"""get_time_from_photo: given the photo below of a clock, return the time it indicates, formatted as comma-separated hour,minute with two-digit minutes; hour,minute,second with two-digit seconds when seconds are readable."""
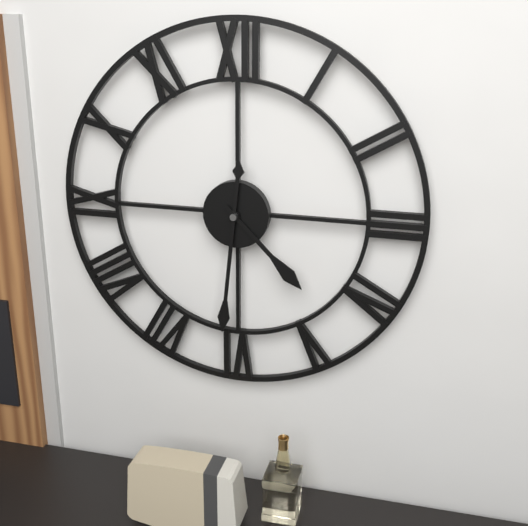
4,31
